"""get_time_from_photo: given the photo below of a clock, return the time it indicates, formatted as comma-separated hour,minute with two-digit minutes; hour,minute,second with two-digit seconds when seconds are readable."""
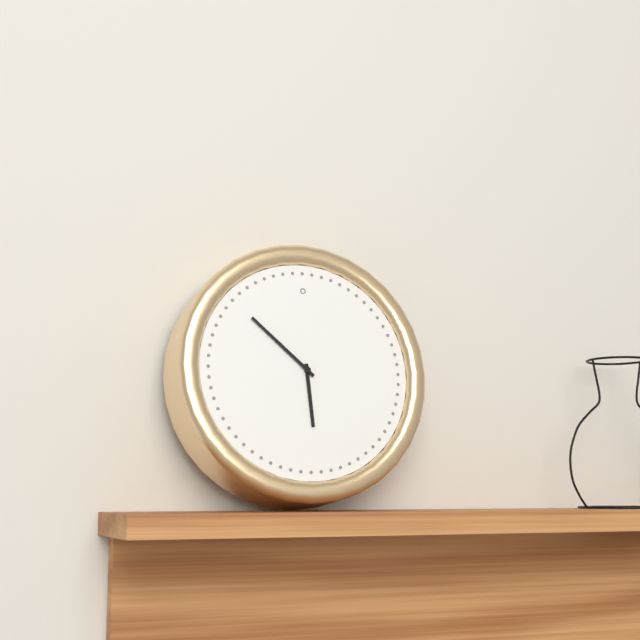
5,52
